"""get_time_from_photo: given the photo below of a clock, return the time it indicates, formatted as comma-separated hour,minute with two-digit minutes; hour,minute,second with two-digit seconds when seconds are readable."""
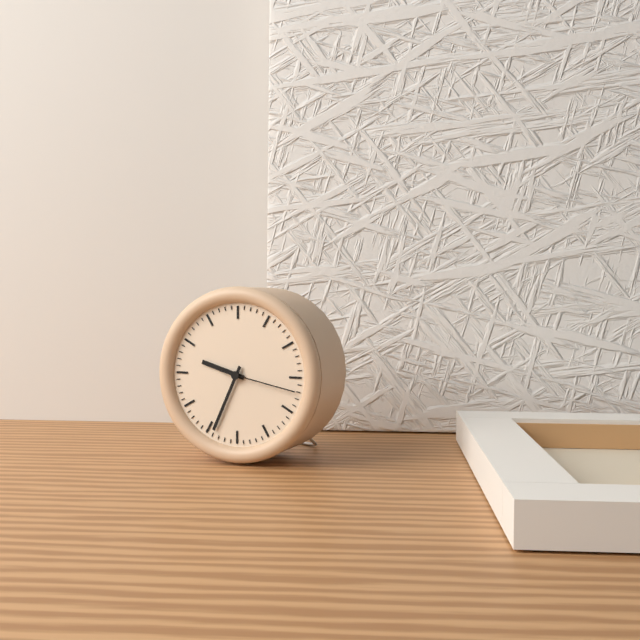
9,34,17
